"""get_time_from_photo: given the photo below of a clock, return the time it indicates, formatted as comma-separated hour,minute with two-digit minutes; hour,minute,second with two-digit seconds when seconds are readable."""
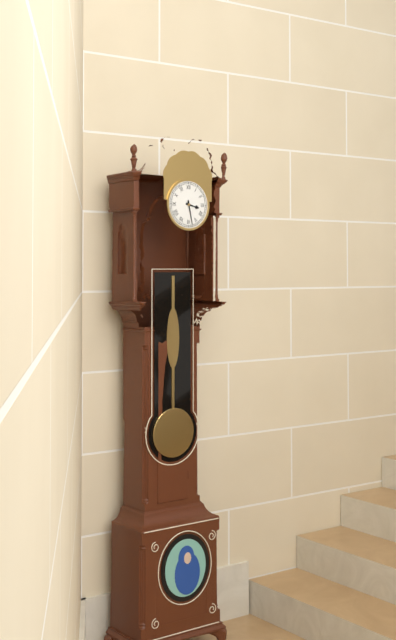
3,28
